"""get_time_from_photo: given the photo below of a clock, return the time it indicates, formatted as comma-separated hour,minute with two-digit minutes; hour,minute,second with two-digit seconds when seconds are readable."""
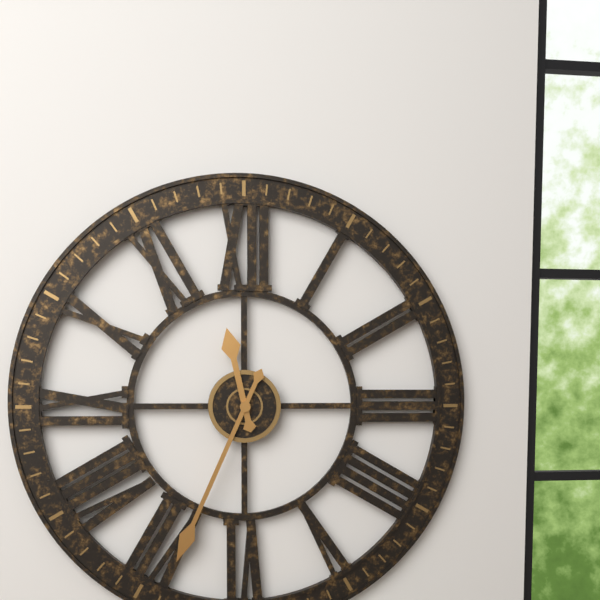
11,34
